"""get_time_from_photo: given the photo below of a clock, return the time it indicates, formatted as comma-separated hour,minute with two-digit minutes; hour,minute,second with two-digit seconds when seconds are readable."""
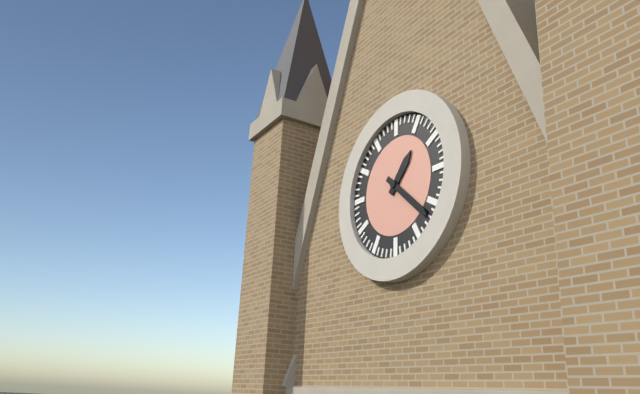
1,22
